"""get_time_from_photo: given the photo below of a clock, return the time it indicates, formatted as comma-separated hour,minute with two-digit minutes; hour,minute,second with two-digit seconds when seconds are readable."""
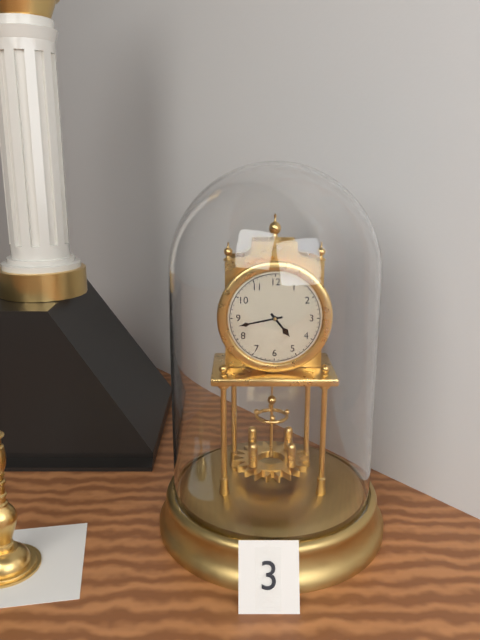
4,43
